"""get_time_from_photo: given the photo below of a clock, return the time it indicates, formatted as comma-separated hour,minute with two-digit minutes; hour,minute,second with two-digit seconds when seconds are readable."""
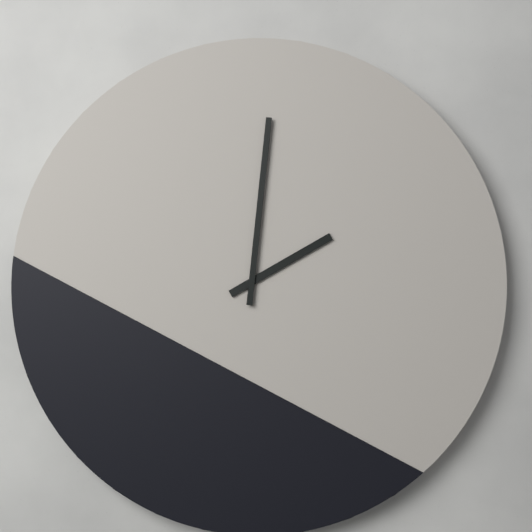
2,01
